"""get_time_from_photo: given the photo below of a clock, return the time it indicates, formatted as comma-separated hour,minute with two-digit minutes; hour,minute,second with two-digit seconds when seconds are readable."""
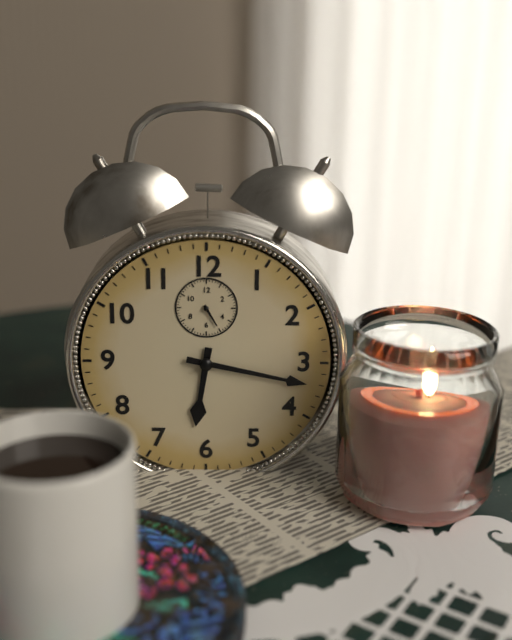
6,17
